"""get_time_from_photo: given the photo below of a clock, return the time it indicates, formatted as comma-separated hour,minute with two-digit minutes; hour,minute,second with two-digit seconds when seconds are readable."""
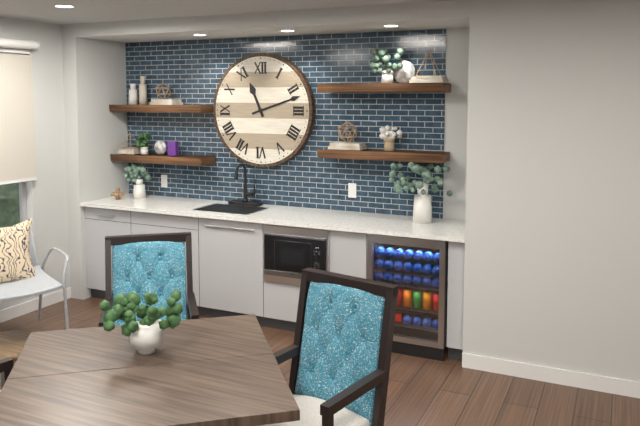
11,12
